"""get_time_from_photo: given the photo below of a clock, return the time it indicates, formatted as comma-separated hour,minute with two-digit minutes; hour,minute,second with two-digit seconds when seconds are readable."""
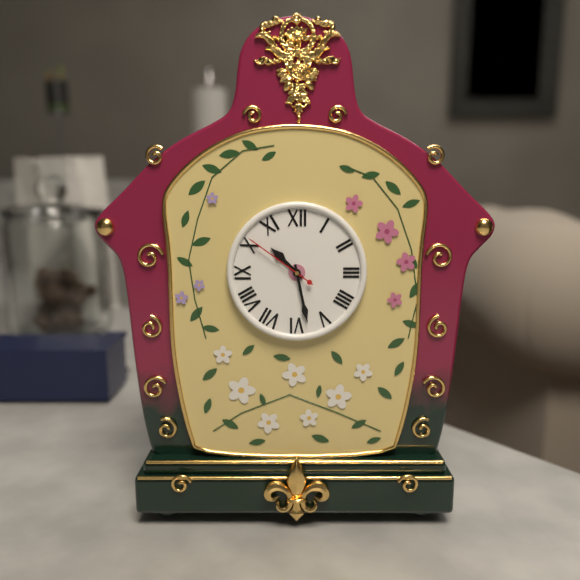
10,28,51
